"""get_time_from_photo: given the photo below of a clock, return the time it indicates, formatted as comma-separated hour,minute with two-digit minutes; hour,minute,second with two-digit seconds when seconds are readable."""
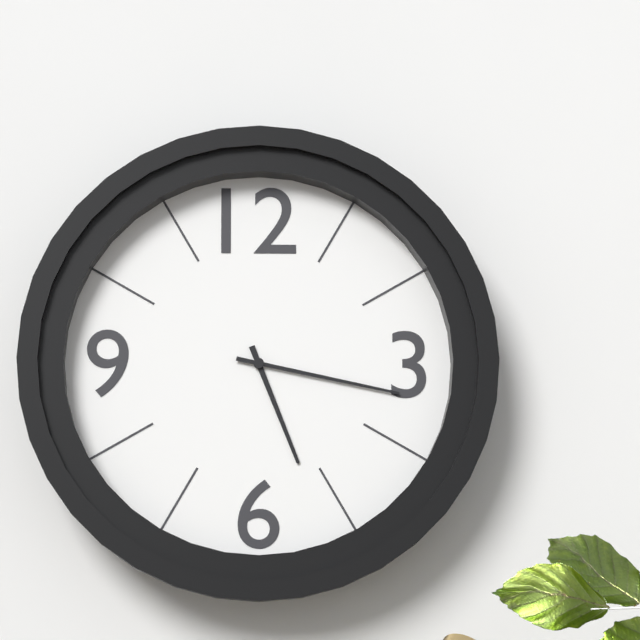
5,17
